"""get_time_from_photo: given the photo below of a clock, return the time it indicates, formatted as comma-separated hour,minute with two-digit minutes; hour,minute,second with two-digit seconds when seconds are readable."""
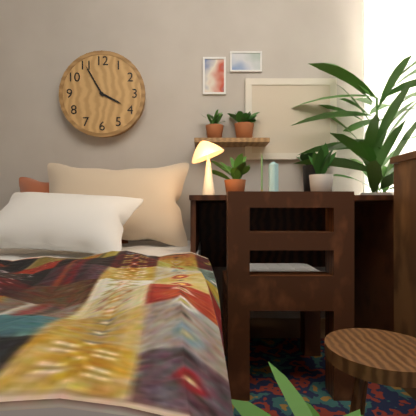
3,55
